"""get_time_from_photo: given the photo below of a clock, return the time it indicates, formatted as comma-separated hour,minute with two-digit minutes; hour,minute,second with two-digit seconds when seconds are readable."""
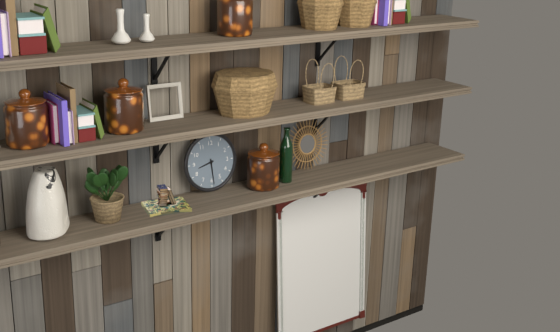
8,29
